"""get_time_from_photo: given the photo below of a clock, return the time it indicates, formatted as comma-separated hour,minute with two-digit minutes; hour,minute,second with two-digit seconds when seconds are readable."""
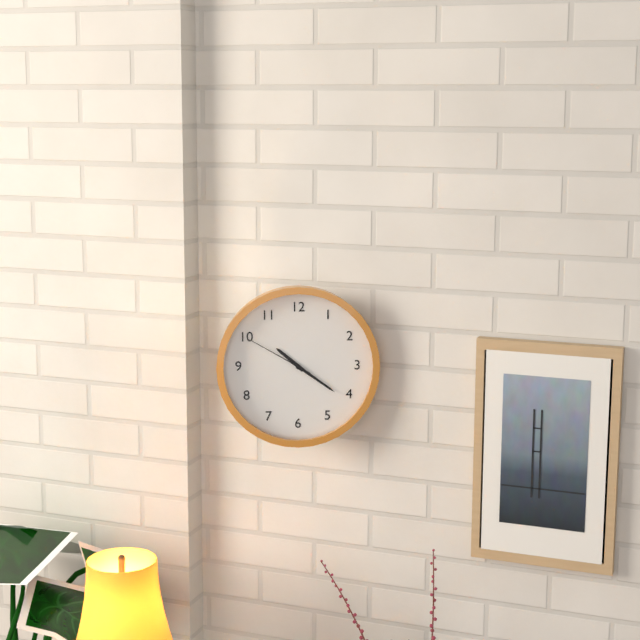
10,21,50
